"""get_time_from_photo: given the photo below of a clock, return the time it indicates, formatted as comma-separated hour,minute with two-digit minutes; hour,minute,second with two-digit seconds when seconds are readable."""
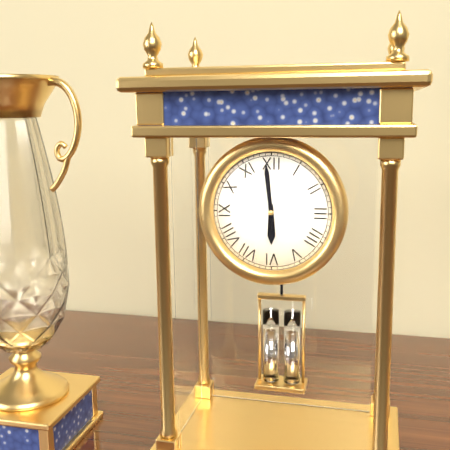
5,59
